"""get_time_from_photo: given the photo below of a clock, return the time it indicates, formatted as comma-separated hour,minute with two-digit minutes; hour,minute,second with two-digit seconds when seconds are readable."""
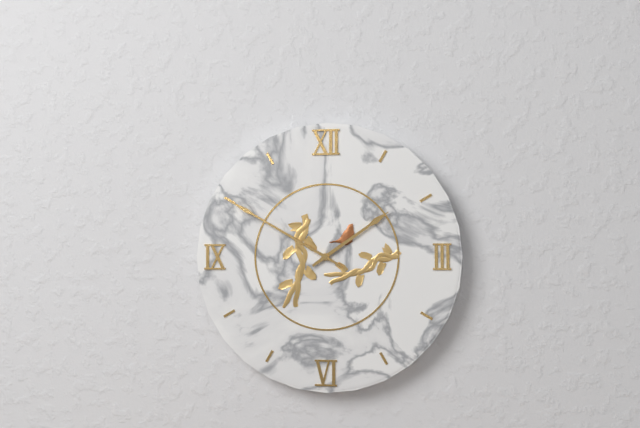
1,50
